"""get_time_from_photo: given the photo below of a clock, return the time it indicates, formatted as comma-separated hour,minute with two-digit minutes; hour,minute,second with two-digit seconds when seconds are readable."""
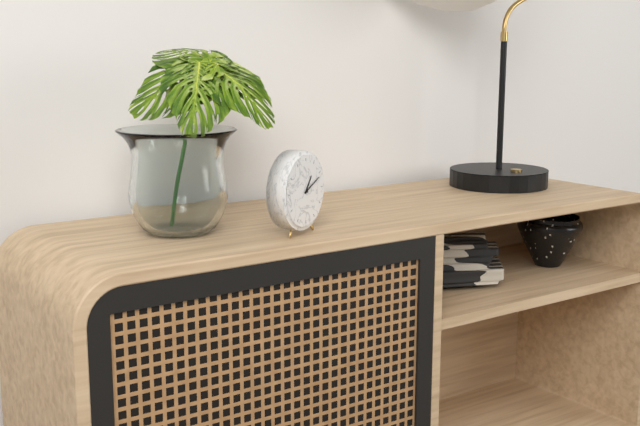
1,11
